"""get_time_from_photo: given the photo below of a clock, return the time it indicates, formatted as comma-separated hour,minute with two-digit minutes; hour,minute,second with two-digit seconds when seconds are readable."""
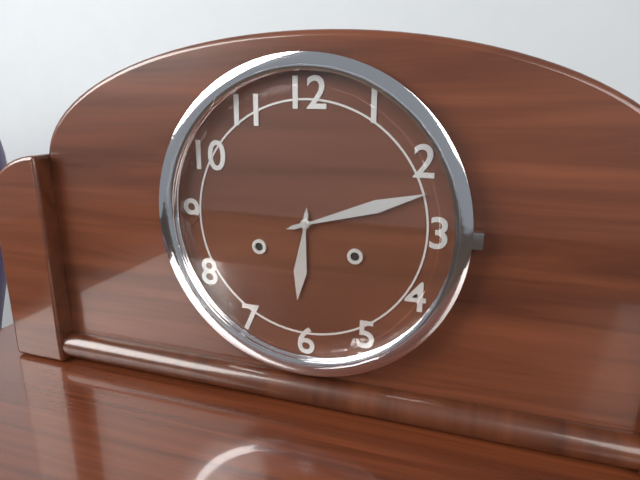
6,12
